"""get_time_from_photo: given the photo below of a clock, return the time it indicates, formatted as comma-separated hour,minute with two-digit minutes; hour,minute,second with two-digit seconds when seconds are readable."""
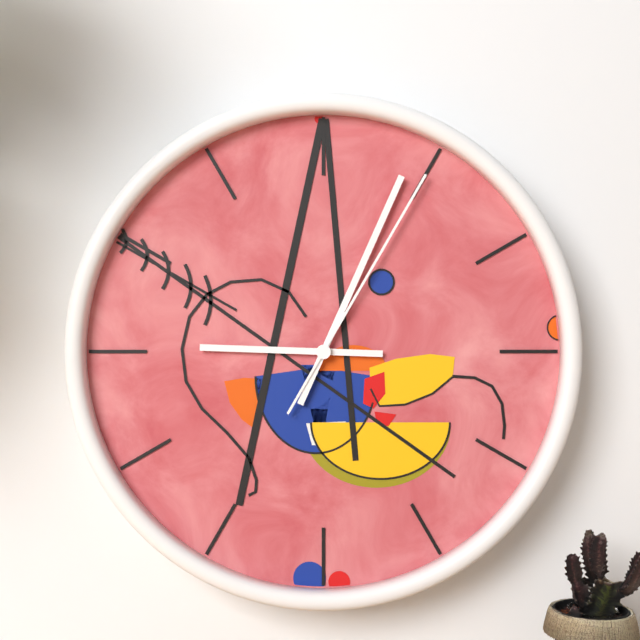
9,04,05
